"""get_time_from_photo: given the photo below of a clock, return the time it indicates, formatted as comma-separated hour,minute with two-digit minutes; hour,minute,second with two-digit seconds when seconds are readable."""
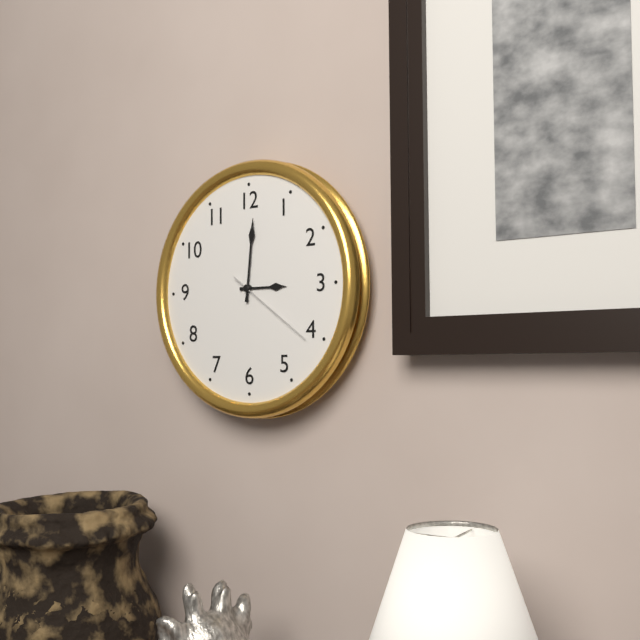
3,01,21
